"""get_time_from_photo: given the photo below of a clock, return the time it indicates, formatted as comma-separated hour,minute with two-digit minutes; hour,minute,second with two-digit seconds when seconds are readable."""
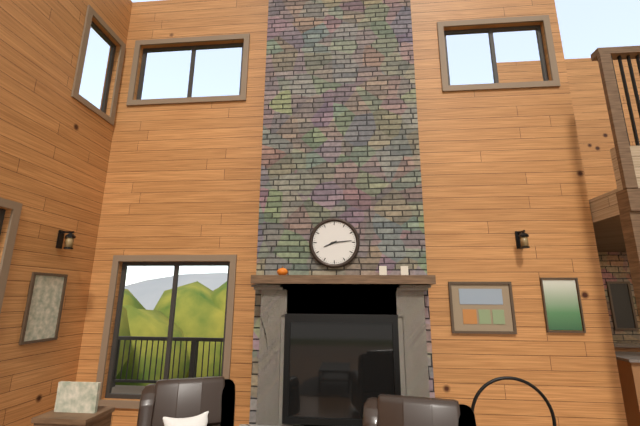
8,14
